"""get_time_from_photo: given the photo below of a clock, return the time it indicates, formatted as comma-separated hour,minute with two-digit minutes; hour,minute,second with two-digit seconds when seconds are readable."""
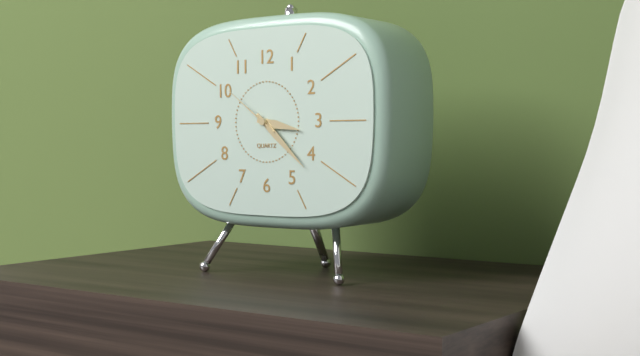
3,22,51
